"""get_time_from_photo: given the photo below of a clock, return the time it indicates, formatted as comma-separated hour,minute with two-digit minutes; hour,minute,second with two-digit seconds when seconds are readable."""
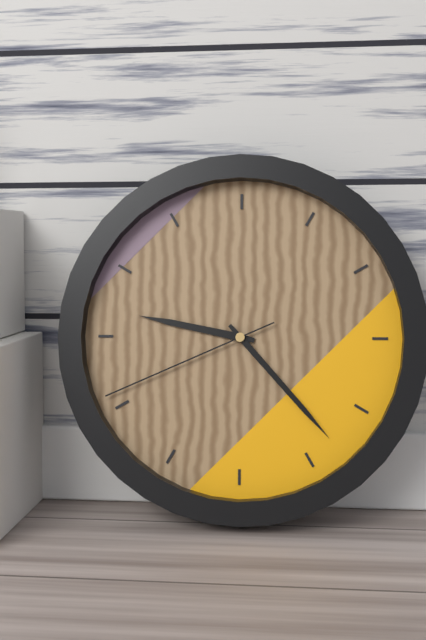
9,23,41
